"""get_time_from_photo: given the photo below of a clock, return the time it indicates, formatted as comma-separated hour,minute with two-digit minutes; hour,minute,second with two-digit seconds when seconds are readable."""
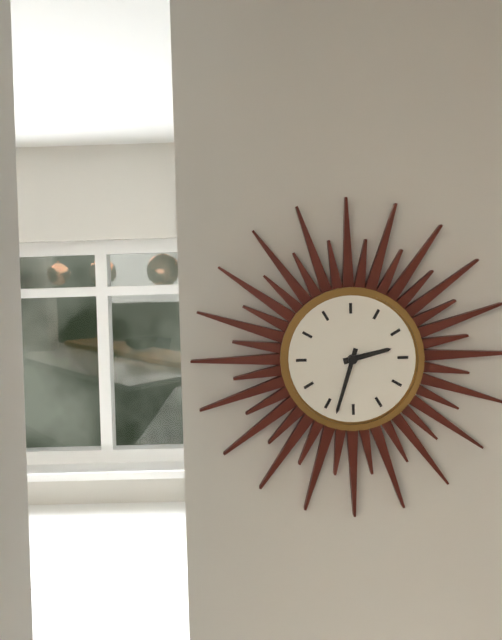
2,33
